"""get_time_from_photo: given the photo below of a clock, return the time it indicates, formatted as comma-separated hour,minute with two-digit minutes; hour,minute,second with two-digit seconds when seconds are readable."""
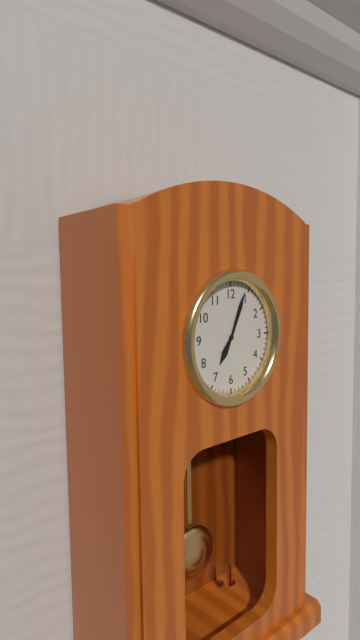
7,04
